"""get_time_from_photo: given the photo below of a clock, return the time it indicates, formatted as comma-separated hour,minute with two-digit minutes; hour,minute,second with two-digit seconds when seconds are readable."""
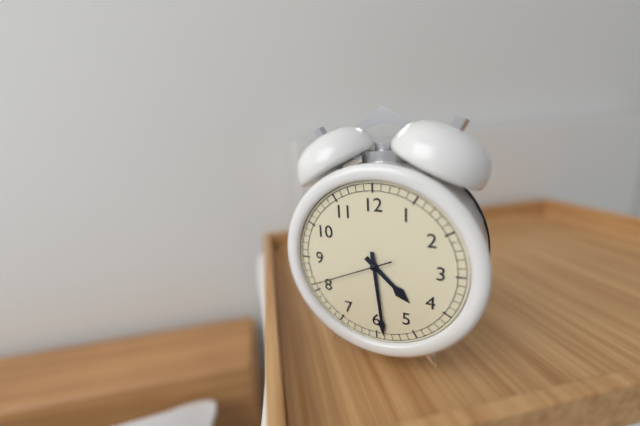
4,29,41
